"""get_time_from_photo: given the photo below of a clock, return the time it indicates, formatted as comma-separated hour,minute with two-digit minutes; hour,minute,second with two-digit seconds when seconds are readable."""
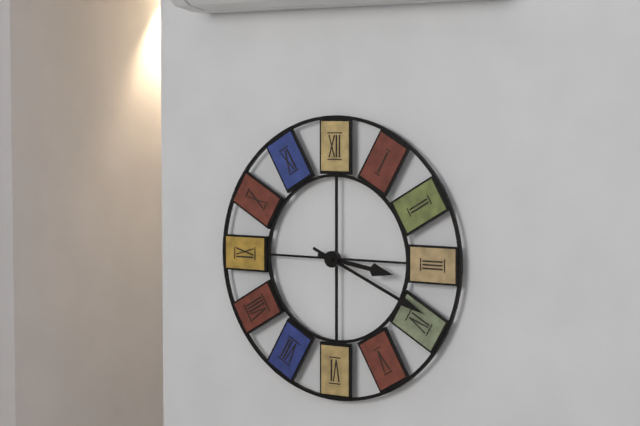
3,19
